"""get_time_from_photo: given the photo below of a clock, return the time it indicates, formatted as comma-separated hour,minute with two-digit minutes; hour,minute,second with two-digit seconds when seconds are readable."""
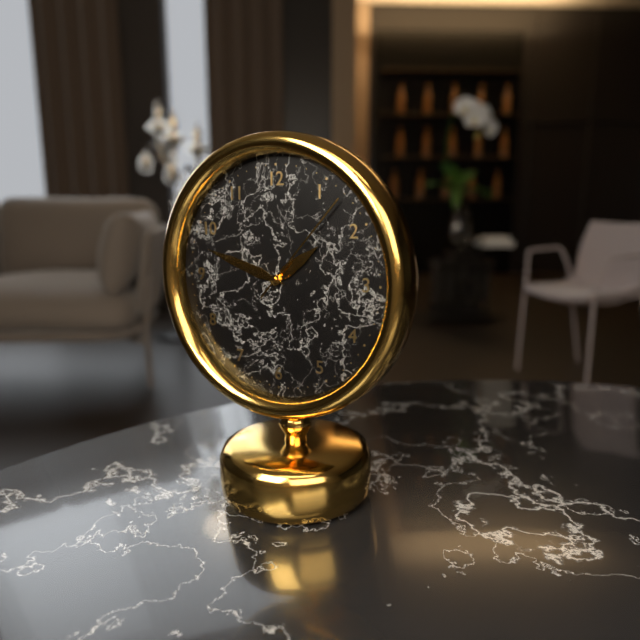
1,48,07
